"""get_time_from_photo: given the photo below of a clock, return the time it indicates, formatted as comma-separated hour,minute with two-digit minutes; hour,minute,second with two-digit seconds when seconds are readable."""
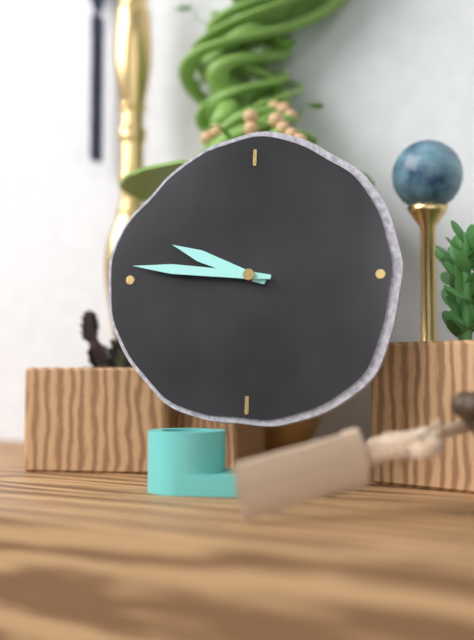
9,46
